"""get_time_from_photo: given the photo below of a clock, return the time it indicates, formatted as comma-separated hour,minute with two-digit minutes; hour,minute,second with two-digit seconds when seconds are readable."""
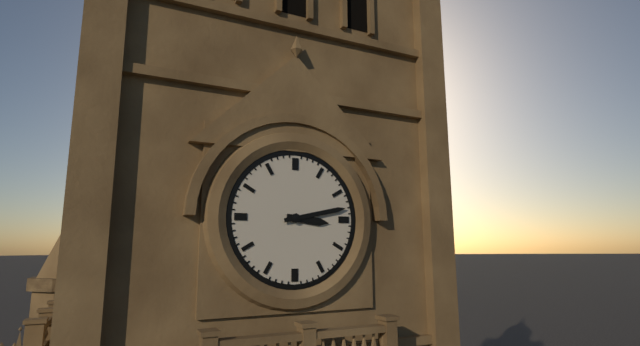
3,13
